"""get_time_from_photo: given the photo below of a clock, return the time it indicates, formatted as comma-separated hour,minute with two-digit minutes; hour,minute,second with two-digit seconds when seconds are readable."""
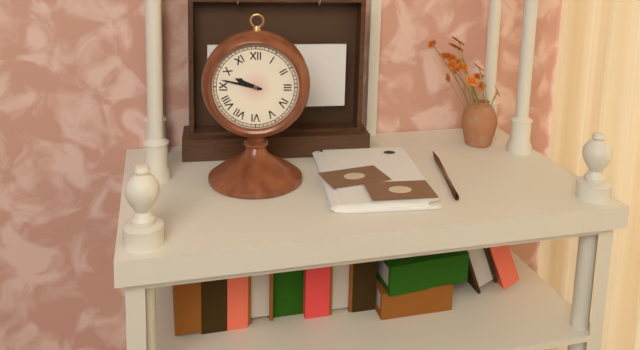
9,47
